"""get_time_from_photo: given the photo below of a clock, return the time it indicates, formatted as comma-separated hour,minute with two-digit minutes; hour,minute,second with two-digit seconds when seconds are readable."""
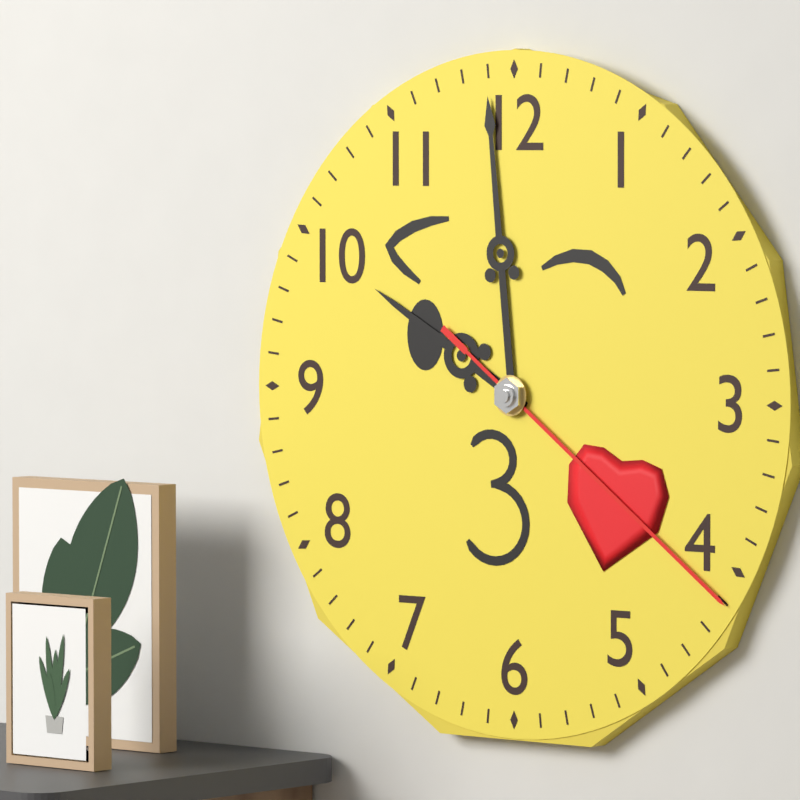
9,59,21
